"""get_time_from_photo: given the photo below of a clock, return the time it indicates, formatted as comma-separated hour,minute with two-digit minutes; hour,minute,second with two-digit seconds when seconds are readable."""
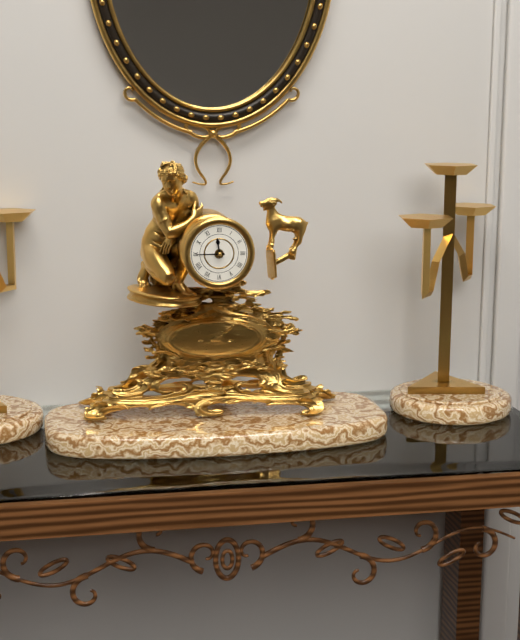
11,45
